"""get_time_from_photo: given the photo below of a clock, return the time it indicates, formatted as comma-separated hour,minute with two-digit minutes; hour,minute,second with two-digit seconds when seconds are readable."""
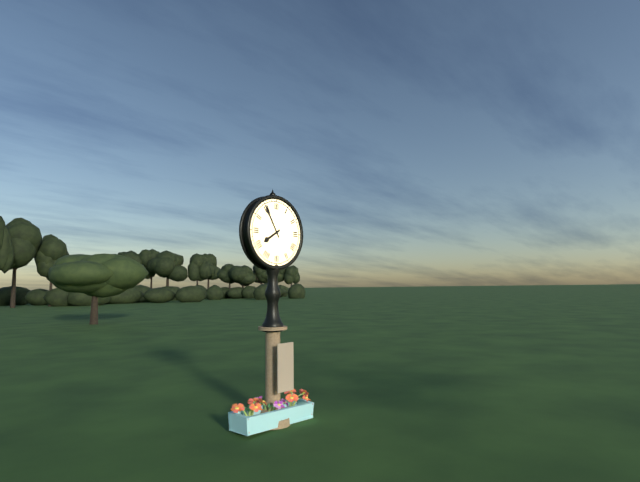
7,55
